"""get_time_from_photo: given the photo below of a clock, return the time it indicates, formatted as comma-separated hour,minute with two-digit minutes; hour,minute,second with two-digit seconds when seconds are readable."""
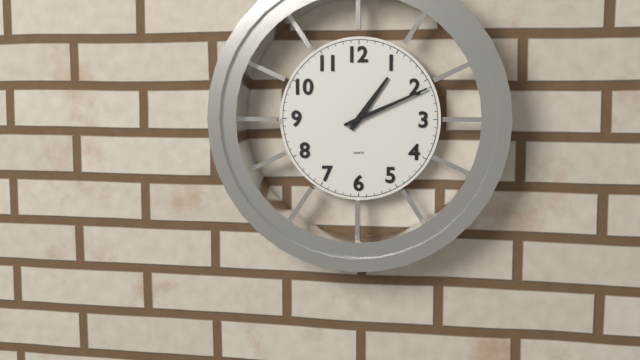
1,11
